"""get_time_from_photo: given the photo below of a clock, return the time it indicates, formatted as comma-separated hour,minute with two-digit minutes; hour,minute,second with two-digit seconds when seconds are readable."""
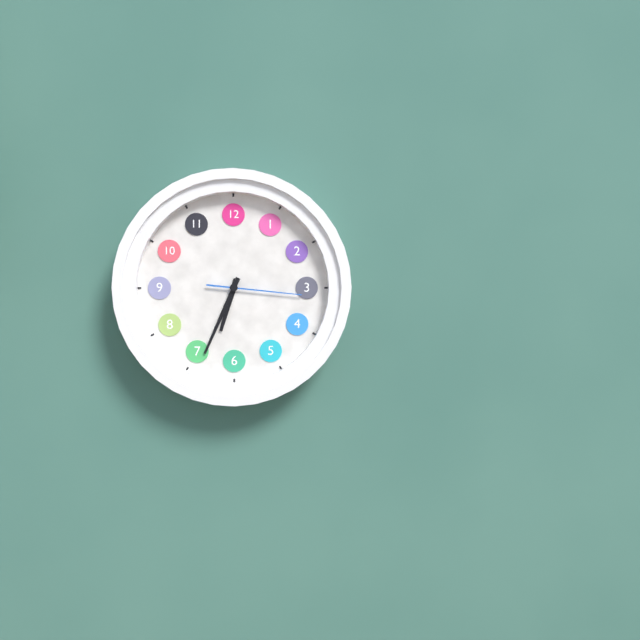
6,34,16
